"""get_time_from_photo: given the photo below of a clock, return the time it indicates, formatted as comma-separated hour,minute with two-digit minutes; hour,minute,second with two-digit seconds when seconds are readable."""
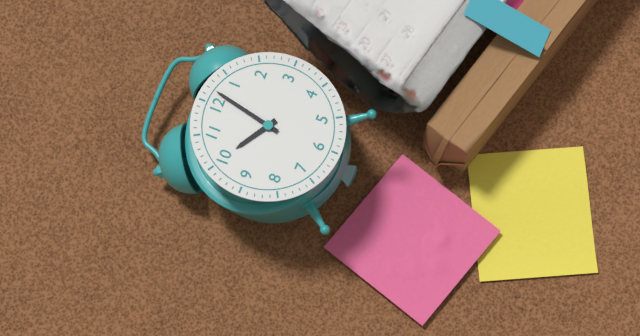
10,02
